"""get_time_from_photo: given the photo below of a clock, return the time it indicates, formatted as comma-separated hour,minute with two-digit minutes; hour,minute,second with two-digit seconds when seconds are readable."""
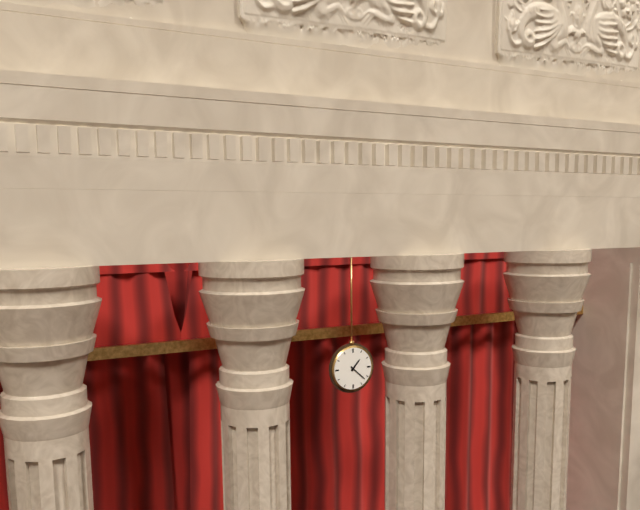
1,22
